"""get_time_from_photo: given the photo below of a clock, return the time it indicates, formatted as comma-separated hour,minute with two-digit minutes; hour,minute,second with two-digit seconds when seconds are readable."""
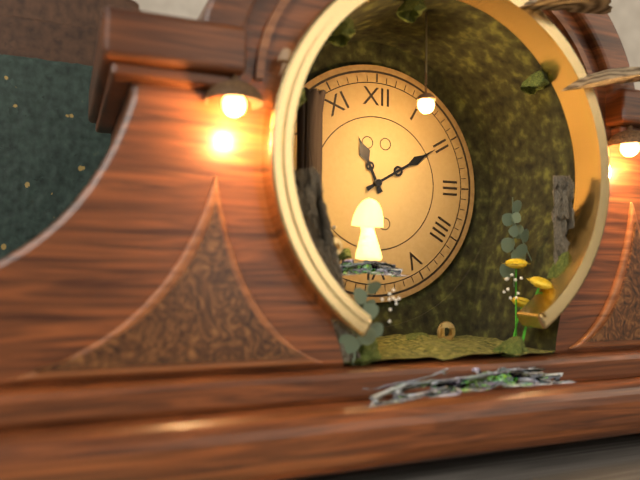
11,10
